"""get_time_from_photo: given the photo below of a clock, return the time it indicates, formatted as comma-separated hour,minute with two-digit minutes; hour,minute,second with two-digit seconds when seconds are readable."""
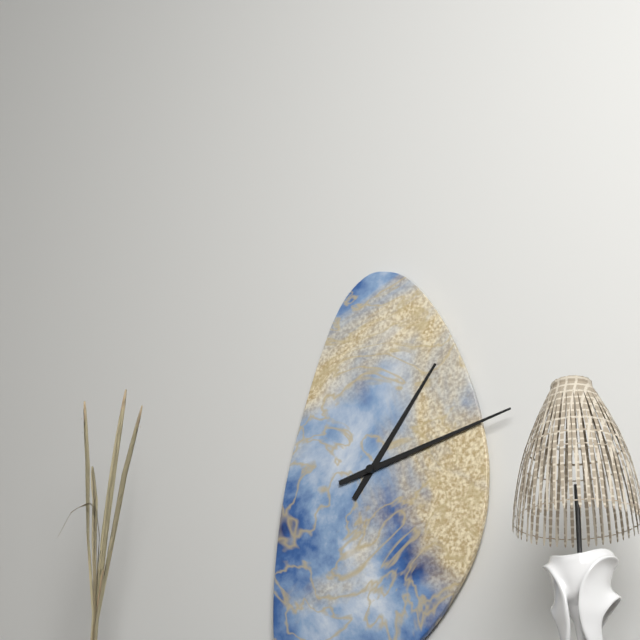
1,13
